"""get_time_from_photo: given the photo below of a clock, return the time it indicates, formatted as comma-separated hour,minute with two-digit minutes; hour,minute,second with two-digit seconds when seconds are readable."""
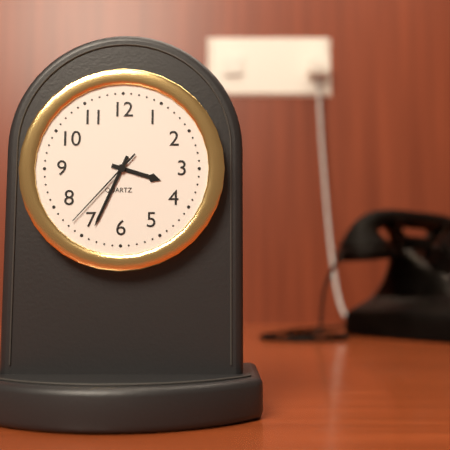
3,34,37
